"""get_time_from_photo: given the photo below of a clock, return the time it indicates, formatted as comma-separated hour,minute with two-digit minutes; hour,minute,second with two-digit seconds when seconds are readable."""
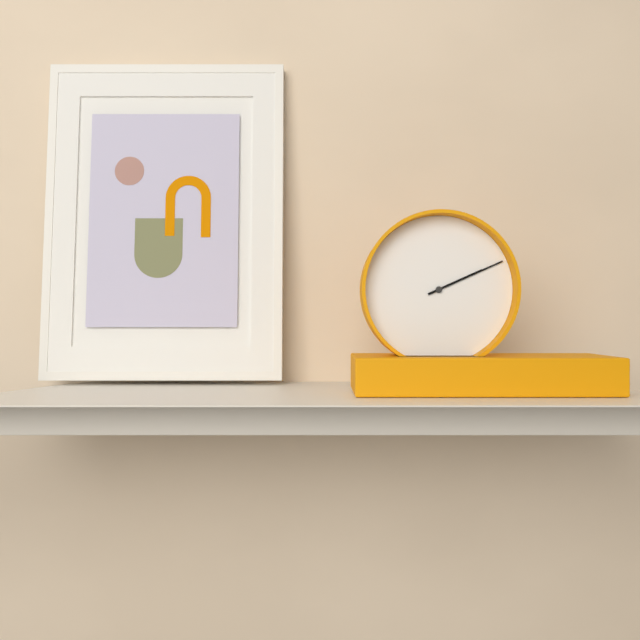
2,11
